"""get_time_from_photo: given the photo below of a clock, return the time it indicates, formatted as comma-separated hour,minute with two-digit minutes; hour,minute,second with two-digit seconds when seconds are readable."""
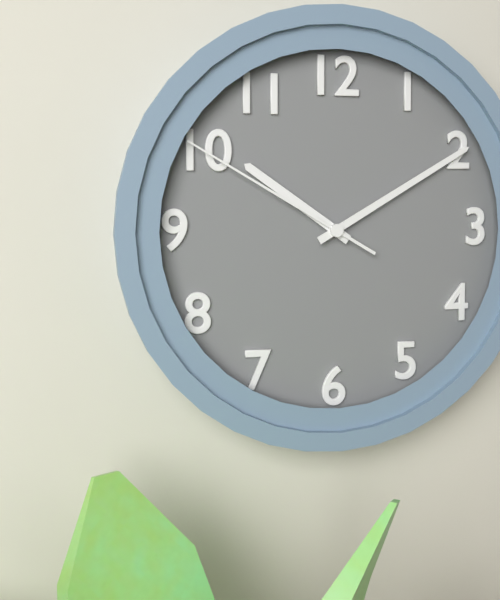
10,10,50
